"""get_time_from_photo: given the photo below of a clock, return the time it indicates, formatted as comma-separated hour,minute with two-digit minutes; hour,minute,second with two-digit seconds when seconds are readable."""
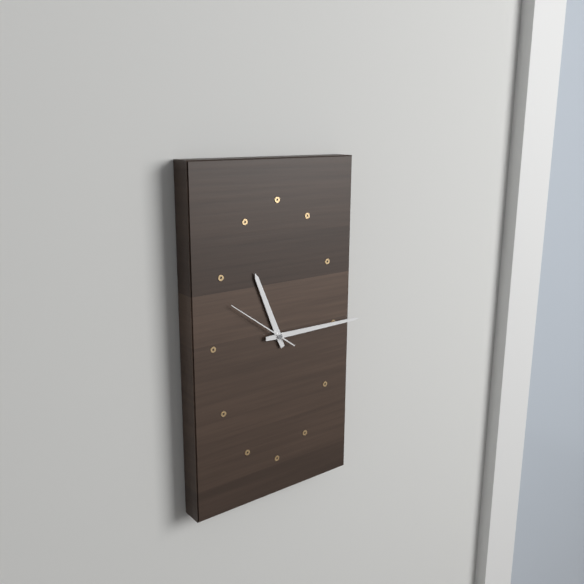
11,15,51
